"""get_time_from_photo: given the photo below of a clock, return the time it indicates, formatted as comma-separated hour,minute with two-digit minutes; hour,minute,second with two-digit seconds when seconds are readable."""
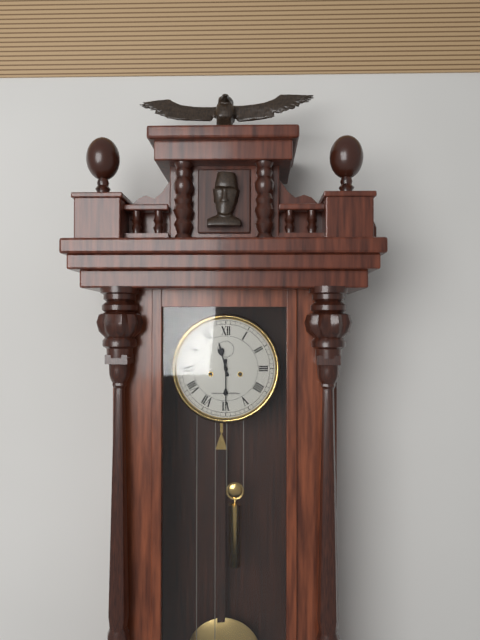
11,30
